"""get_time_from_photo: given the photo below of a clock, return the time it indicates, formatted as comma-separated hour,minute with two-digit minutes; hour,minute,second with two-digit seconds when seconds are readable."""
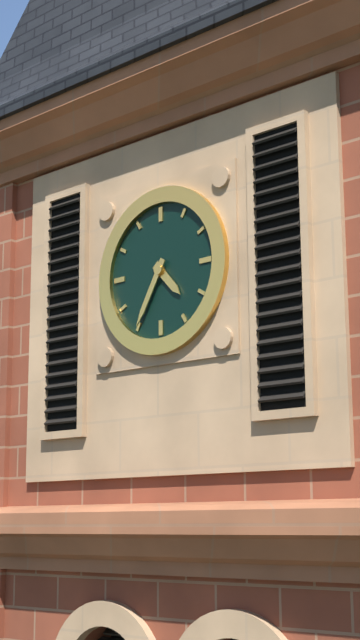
4,35
